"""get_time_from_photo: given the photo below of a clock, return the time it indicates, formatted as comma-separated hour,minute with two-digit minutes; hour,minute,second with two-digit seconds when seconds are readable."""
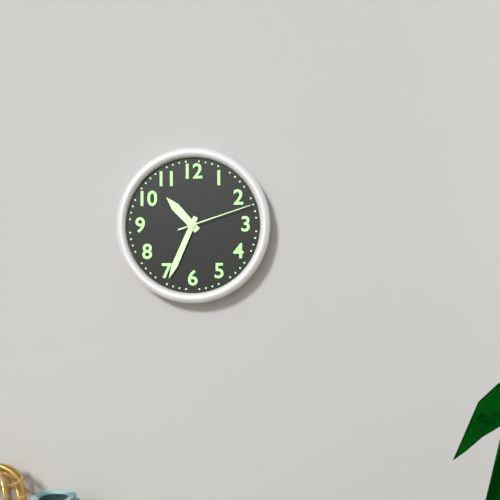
10,34,12
